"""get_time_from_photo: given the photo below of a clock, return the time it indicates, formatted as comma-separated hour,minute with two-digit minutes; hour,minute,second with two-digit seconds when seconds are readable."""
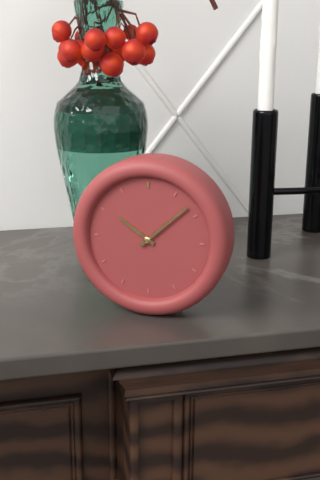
10,08
